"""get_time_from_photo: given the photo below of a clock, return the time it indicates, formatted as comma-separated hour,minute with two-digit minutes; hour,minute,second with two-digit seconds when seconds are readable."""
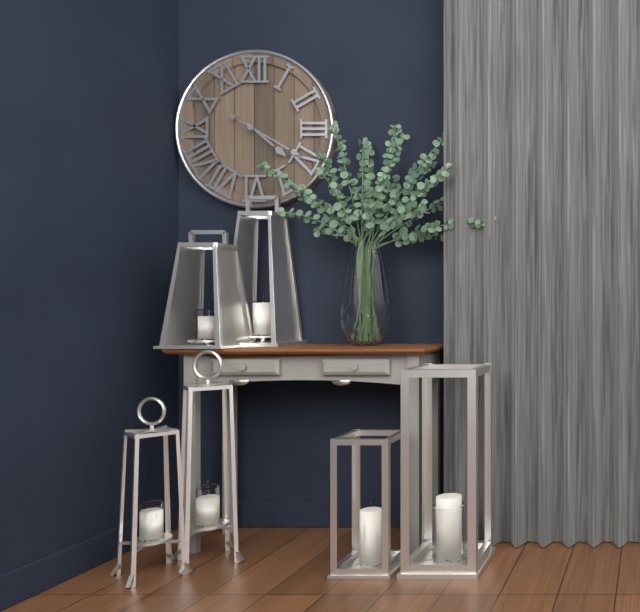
4,20
